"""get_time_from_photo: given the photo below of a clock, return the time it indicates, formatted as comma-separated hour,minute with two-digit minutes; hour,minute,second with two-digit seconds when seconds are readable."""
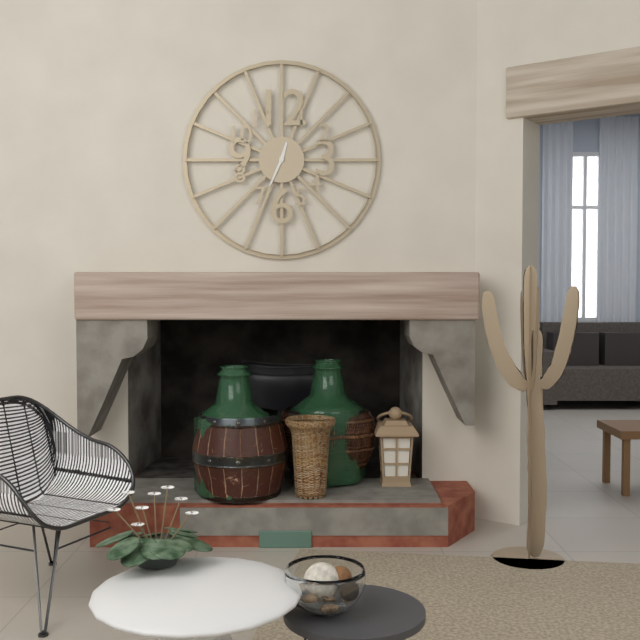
12,34
